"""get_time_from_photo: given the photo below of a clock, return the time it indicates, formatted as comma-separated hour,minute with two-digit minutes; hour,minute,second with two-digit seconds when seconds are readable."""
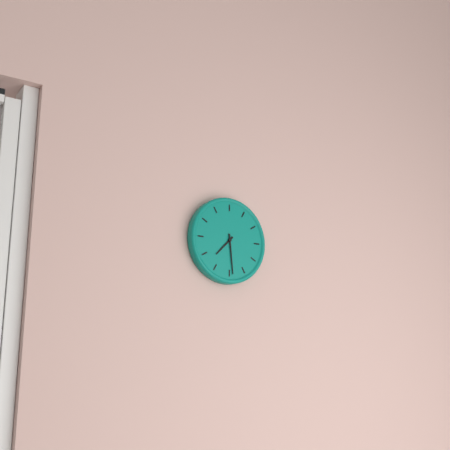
7,29
